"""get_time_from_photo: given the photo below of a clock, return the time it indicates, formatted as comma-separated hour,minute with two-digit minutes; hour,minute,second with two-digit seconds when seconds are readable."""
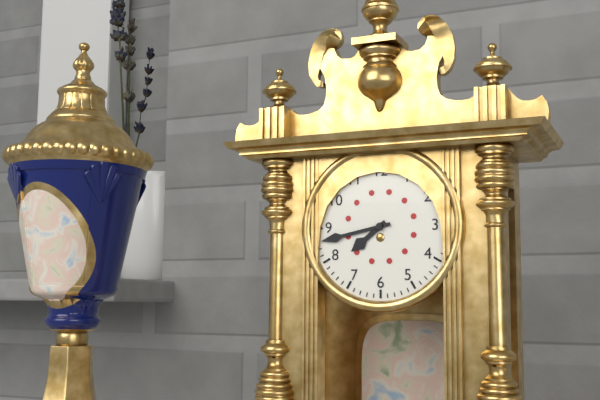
7,43
